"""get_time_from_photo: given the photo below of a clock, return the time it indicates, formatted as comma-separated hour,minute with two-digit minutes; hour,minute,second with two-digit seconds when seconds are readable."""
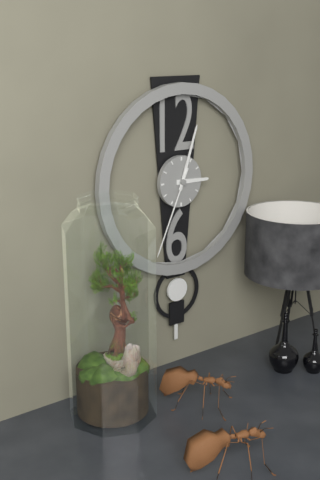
3,03,34
